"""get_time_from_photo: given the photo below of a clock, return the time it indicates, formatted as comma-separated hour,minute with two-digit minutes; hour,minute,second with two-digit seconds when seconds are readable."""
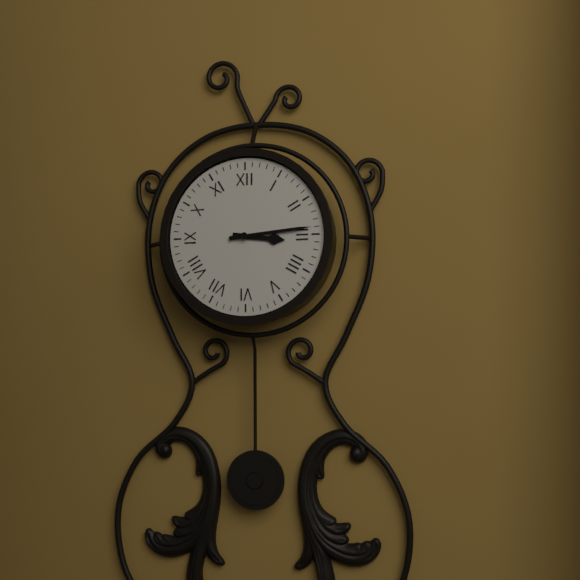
3,14
